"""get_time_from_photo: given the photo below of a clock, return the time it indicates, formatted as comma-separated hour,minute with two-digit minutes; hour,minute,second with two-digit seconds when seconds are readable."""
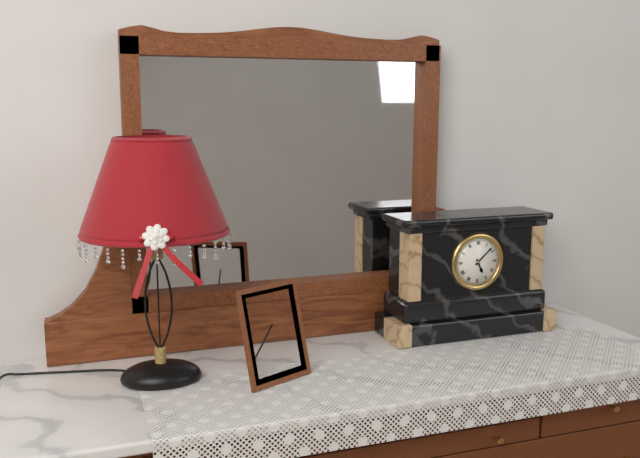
5,08
